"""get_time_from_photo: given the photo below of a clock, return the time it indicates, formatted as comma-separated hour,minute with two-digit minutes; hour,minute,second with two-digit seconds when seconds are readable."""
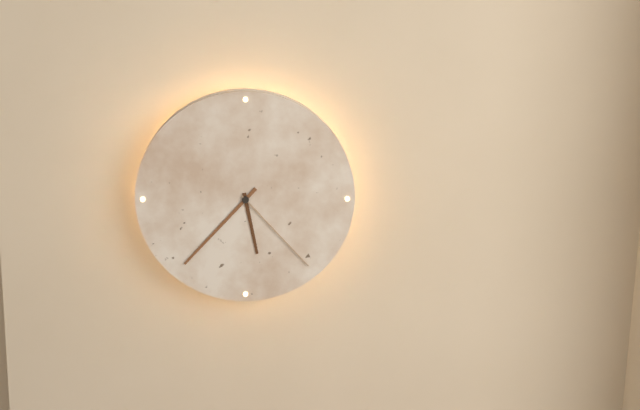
5,37,23
